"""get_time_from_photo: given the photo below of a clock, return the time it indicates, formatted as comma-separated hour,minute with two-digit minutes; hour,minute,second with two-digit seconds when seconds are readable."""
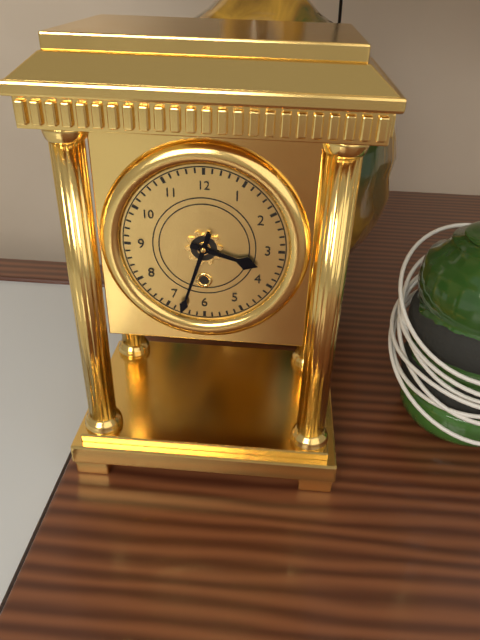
3,33
